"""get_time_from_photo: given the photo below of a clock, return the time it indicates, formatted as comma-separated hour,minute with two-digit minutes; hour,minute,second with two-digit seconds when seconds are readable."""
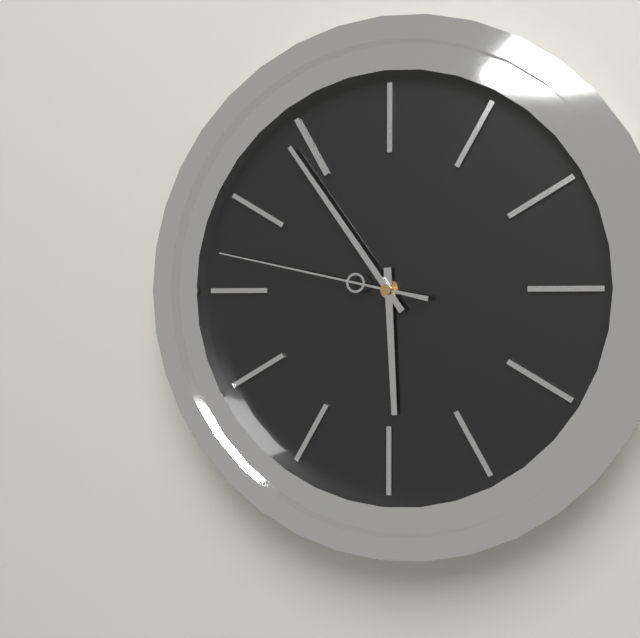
5,54,47
